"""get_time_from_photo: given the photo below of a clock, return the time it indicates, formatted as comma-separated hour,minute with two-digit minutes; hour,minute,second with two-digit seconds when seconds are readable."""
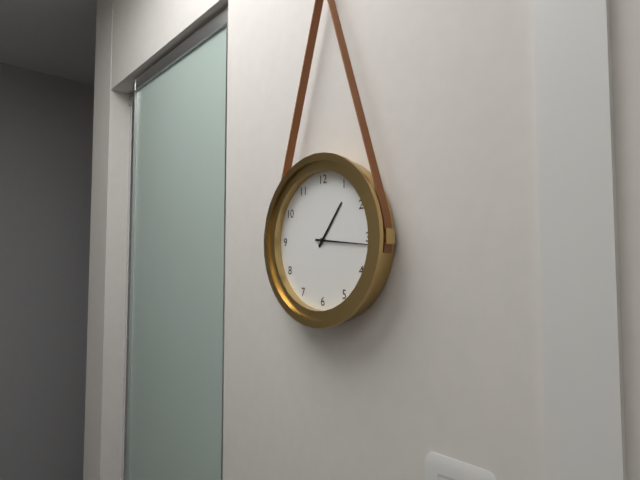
1,16
